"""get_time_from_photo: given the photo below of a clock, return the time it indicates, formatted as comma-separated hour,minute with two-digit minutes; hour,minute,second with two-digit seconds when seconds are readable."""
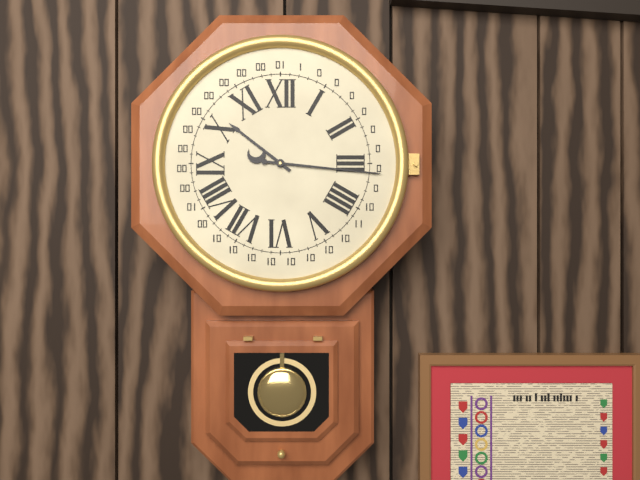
10,16
